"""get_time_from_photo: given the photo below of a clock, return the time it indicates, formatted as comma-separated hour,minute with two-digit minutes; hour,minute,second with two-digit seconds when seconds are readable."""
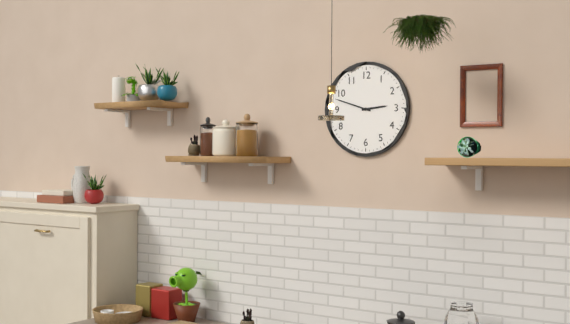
2,48
